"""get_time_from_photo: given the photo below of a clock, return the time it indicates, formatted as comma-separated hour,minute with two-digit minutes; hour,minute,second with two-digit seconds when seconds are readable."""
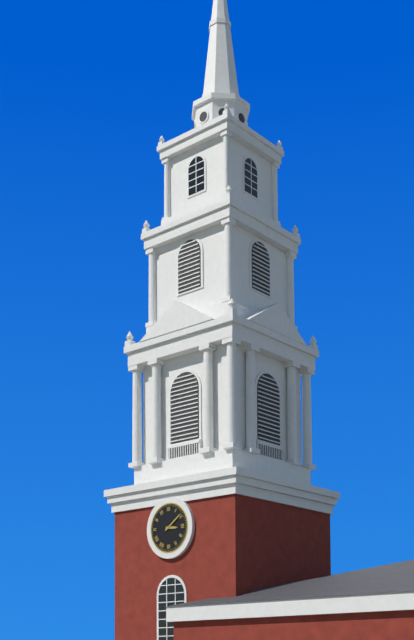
3,09
